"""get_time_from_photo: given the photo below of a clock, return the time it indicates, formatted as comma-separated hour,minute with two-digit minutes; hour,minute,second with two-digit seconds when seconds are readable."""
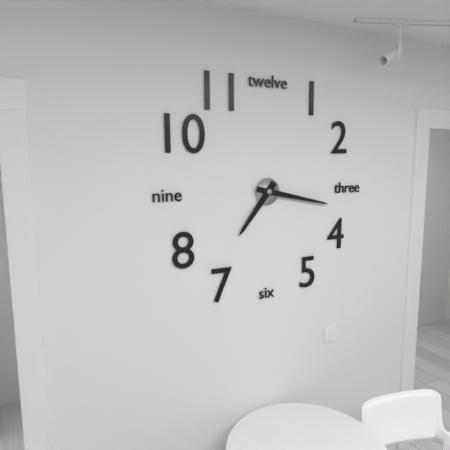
7,17
